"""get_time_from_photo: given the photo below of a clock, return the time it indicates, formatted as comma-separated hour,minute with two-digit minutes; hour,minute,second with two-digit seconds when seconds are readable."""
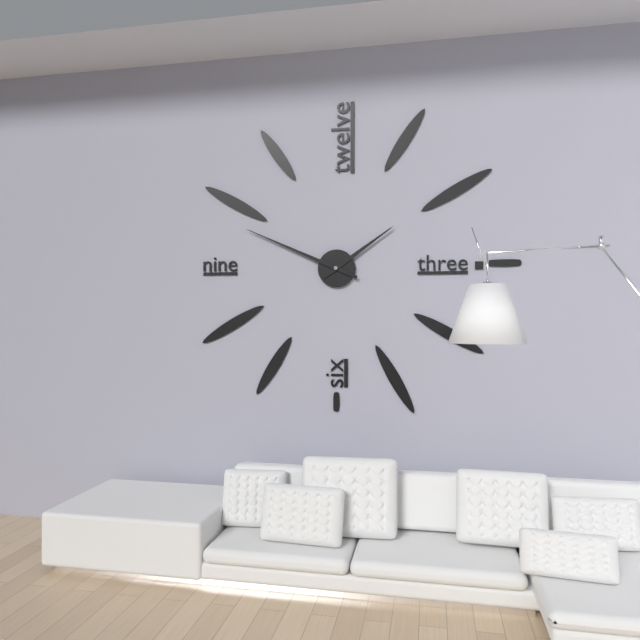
1,49
